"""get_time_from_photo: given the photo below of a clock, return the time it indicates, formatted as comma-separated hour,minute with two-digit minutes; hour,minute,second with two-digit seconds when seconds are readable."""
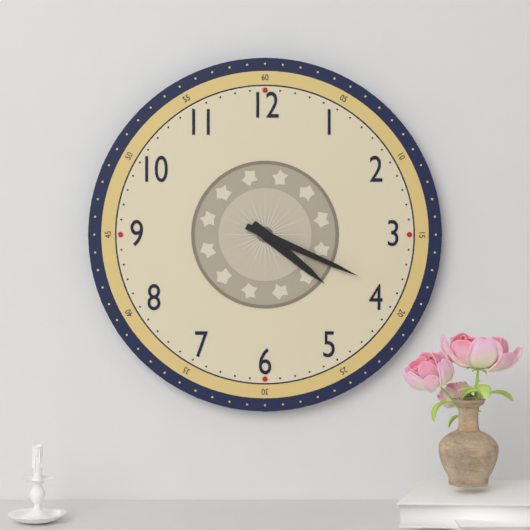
4,19
